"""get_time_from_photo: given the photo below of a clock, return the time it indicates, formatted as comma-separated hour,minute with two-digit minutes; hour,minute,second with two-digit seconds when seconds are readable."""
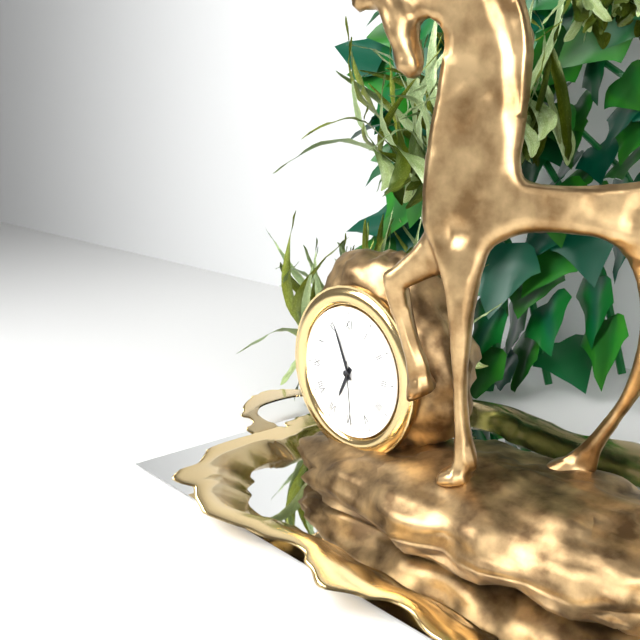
6,56,29
